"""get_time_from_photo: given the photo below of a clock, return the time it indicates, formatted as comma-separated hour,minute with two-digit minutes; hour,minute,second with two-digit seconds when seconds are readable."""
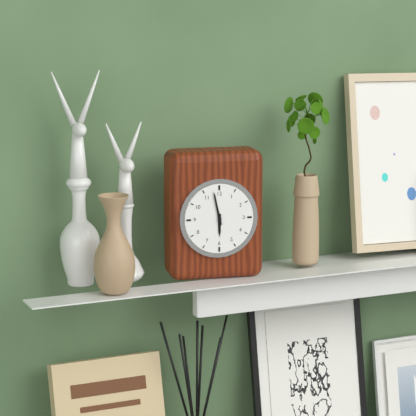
5,58
